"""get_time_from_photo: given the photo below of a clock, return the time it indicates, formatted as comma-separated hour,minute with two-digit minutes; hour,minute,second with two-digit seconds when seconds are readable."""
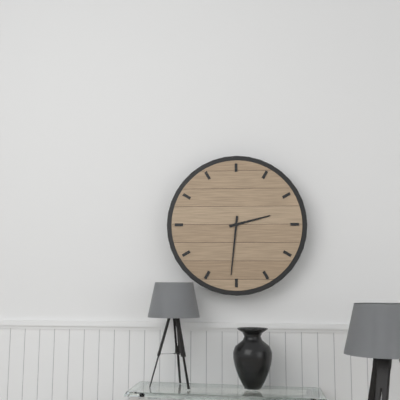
2,31
